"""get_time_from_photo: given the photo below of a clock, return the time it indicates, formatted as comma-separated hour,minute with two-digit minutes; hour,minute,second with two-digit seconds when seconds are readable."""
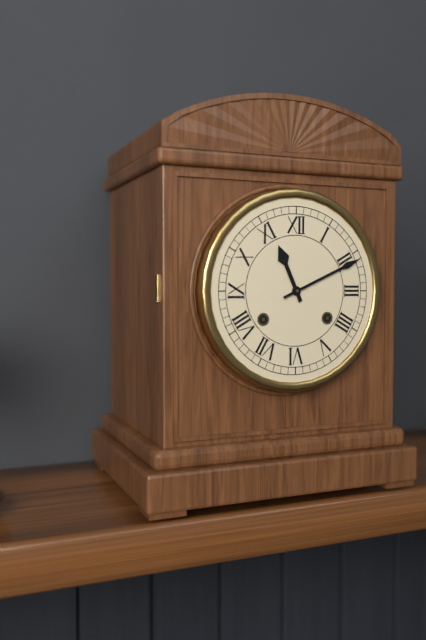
11,11
